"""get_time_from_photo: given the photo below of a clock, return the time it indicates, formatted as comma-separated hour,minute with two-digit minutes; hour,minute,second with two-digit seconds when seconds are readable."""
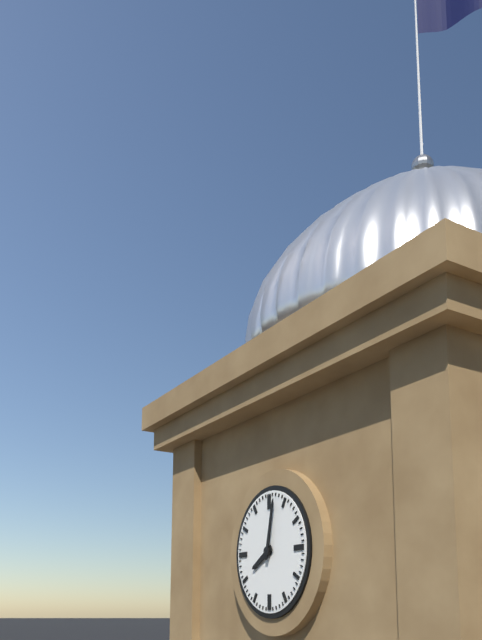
8,02
